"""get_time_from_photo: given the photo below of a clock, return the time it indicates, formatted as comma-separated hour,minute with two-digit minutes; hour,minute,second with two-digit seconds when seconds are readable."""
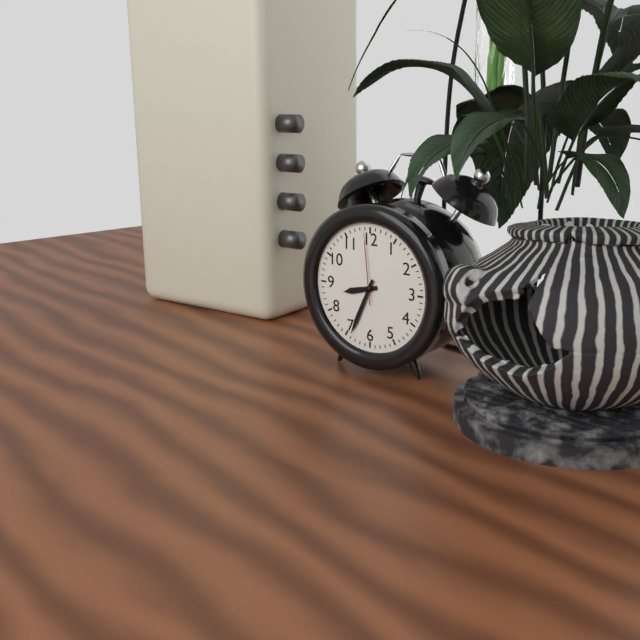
8,34,59
